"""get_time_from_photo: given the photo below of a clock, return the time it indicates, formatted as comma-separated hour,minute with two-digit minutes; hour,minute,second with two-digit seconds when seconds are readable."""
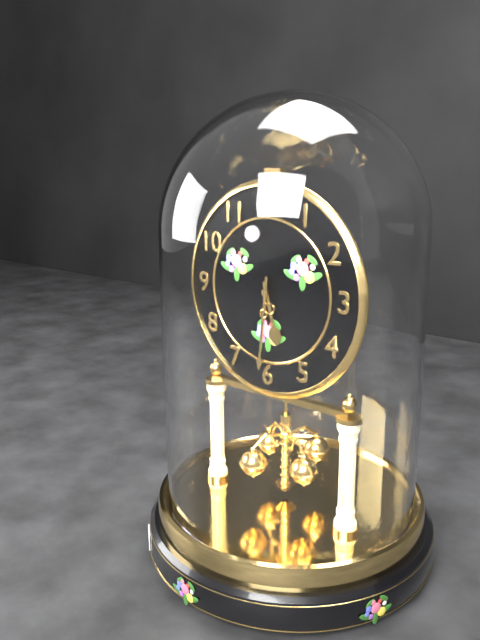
5,31
